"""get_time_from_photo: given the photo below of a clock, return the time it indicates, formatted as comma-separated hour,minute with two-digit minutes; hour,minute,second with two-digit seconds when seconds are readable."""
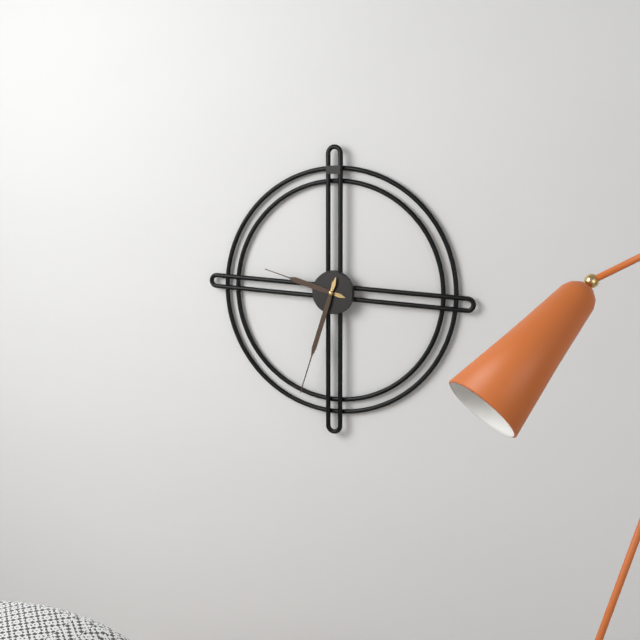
9,33
